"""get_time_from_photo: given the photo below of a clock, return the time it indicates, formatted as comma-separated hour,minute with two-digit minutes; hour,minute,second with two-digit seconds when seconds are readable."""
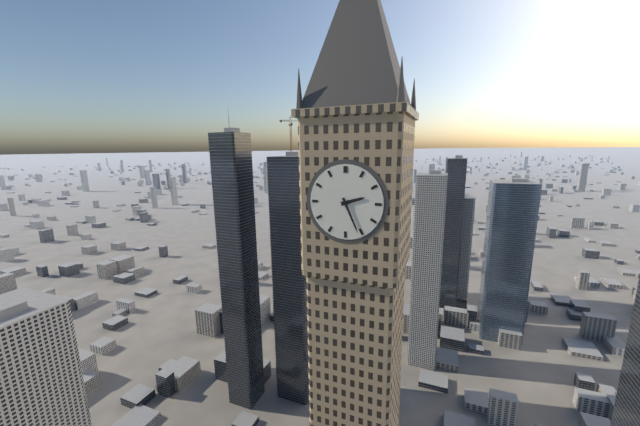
2,26
